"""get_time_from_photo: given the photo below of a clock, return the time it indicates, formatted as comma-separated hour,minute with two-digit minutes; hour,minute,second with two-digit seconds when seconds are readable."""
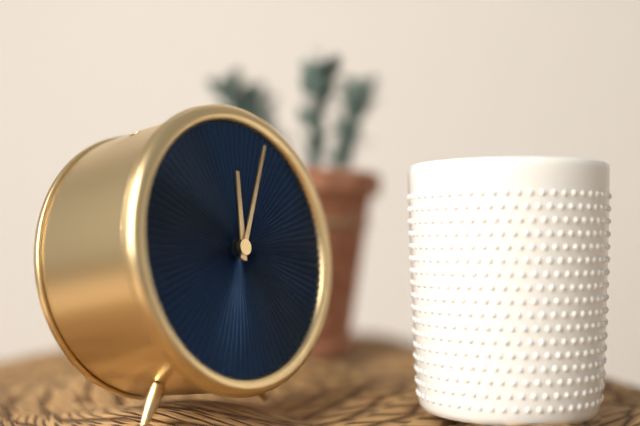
12,04
